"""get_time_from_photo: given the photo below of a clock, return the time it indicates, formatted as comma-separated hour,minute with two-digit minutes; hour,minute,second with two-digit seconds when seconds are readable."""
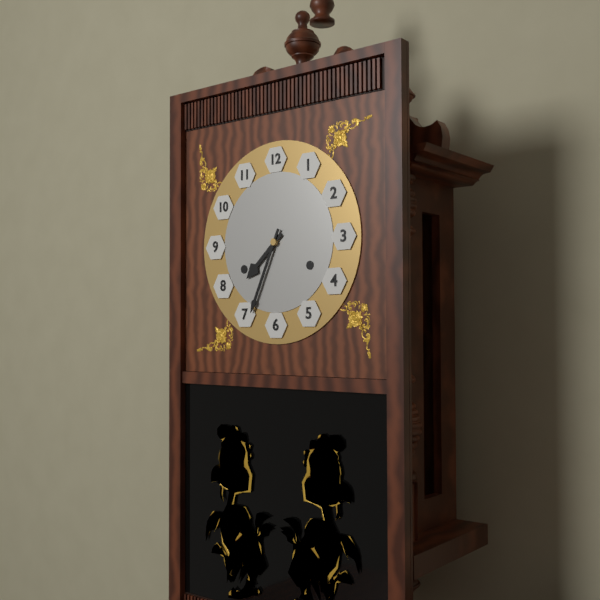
7,34
